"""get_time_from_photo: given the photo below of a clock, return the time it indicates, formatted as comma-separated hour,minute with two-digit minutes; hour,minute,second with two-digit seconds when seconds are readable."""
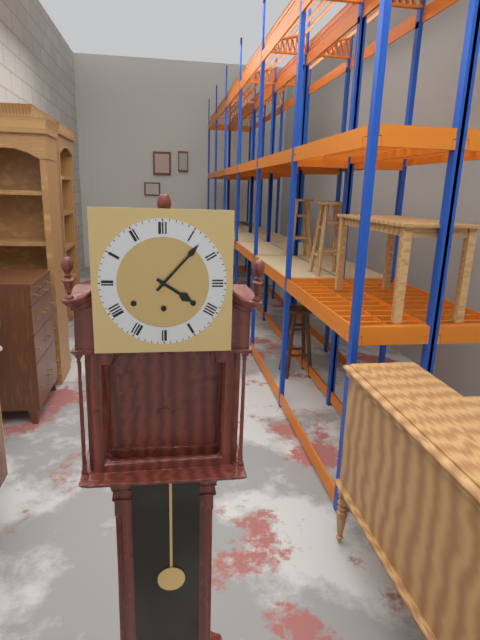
4,07
